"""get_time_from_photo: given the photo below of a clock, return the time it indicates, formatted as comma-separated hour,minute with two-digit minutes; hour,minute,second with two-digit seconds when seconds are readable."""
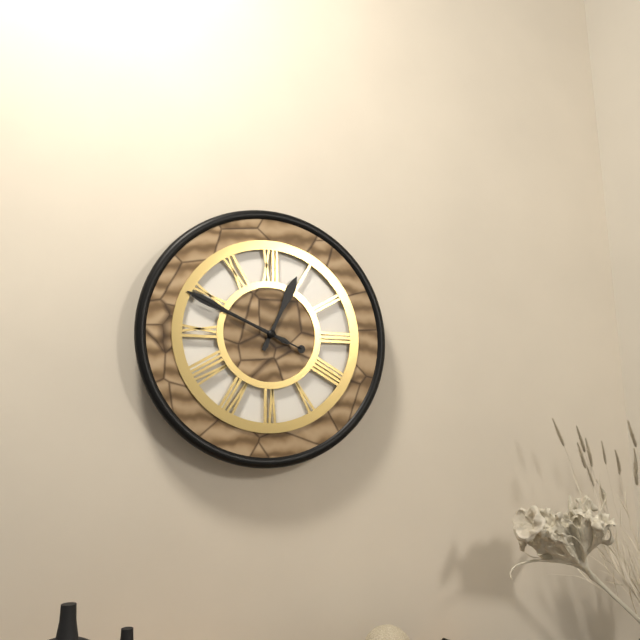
12,49,49
